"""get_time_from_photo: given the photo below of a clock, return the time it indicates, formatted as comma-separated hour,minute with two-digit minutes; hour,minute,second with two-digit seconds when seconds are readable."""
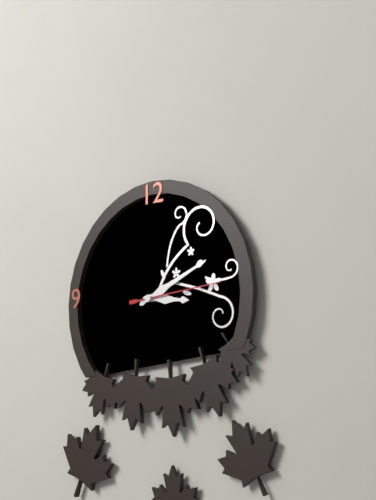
3,11,14
